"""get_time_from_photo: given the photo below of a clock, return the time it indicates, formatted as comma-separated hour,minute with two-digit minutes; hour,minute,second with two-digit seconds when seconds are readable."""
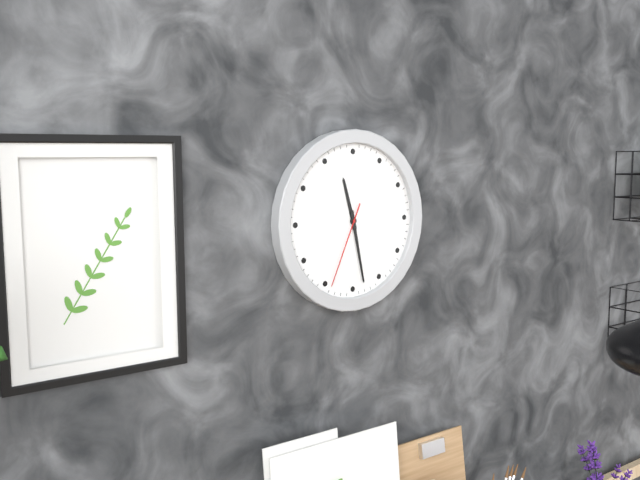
11,28,34
